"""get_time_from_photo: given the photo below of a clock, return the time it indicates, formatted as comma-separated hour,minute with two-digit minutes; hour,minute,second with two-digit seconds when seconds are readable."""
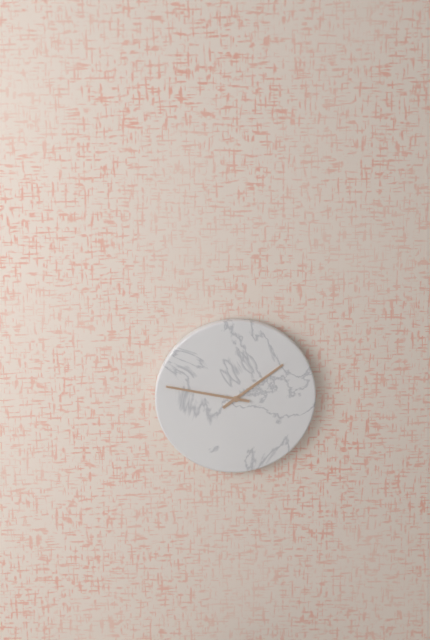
1,47
